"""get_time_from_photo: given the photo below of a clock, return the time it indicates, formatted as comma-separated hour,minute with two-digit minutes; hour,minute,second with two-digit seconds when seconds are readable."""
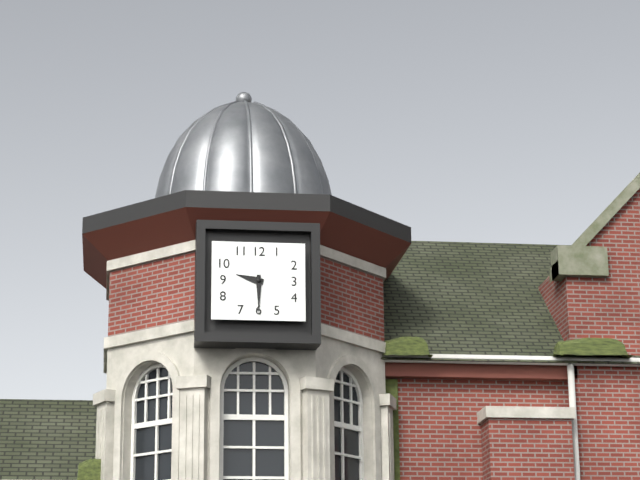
9,30
